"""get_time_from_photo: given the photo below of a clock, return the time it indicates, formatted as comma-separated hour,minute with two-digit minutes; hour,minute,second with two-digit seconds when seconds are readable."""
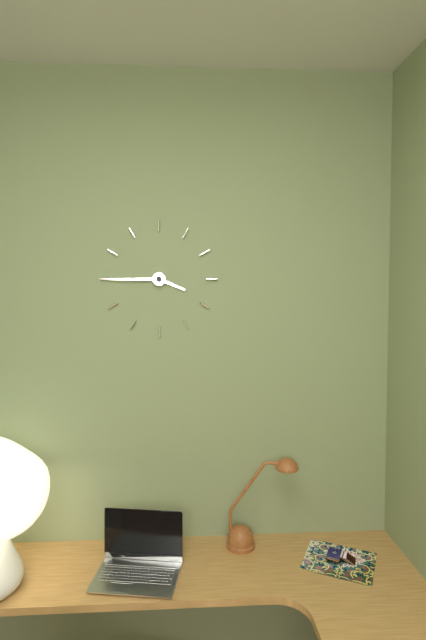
3,45
